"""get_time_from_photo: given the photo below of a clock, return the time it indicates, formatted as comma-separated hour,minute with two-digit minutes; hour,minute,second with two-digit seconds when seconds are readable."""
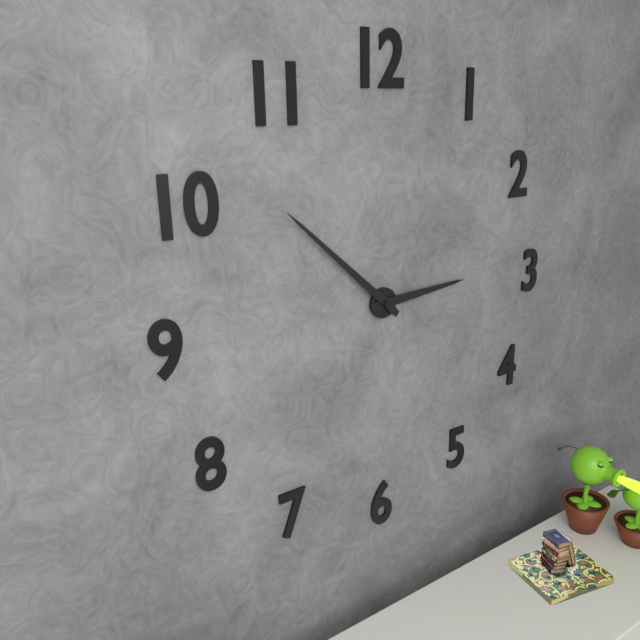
2,52
